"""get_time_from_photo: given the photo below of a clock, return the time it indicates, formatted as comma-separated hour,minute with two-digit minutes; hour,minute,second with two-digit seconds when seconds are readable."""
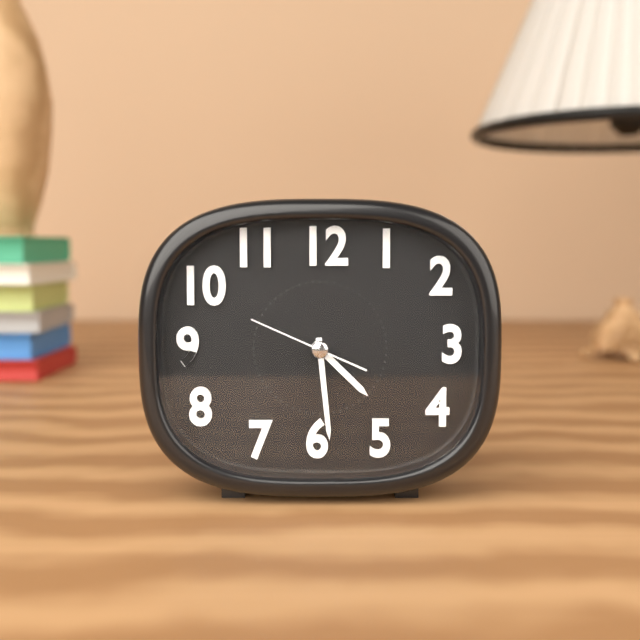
4,29,49
